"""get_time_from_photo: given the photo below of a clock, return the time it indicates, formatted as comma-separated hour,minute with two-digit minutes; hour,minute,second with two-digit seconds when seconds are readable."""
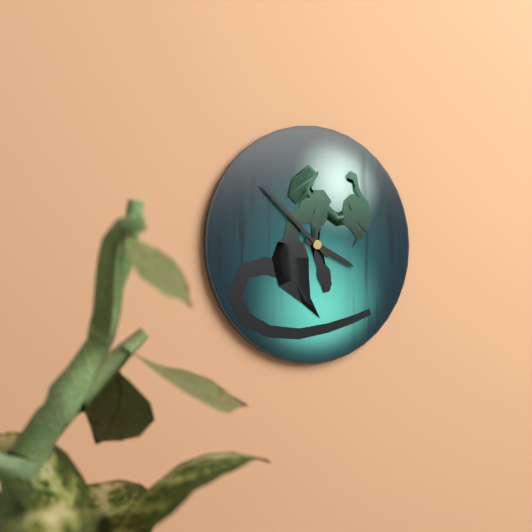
3,52
